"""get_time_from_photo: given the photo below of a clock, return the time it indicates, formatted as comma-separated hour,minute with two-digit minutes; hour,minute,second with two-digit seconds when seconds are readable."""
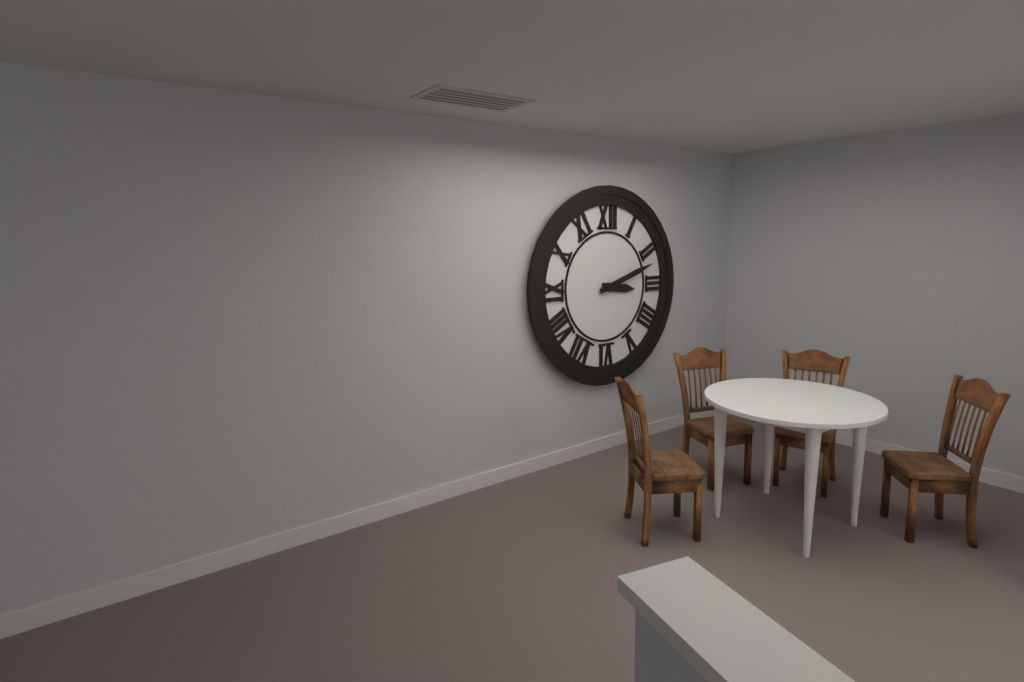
3,12
